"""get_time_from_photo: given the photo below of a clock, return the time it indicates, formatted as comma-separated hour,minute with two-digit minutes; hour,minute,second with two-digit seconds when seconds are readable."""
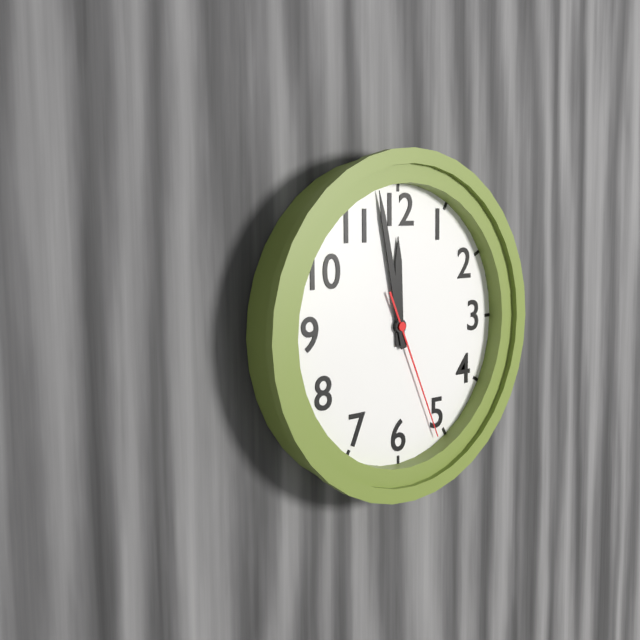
11,58,26
